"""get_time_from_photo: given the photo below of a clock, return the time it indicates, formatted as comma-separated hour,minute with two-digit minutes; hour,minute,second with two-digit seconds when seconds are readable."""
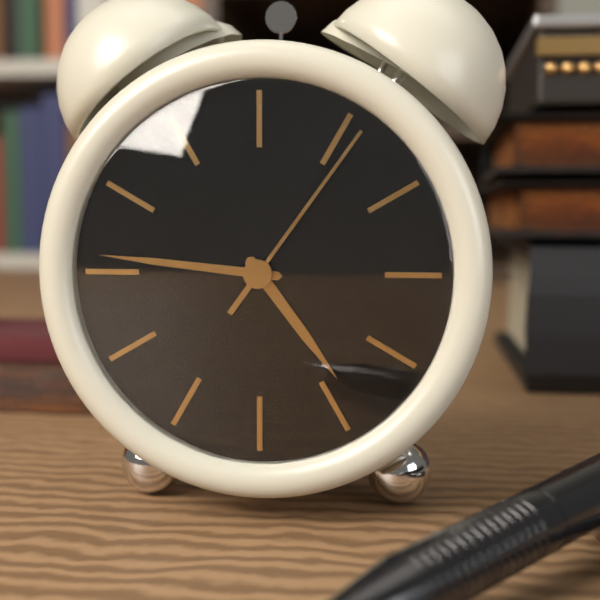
4,46,06
